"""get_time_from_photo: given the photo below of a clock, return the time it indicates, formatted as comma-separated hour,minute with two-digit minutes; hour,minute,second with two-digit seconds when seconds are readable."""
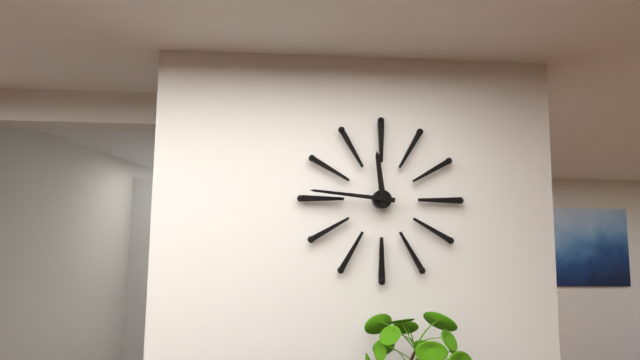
11,46
